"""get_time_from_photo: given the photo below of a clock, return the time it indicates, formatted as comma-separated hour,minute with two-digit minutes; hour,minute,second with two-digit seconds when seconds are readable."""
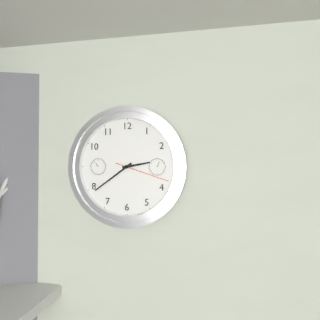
2,39,18
